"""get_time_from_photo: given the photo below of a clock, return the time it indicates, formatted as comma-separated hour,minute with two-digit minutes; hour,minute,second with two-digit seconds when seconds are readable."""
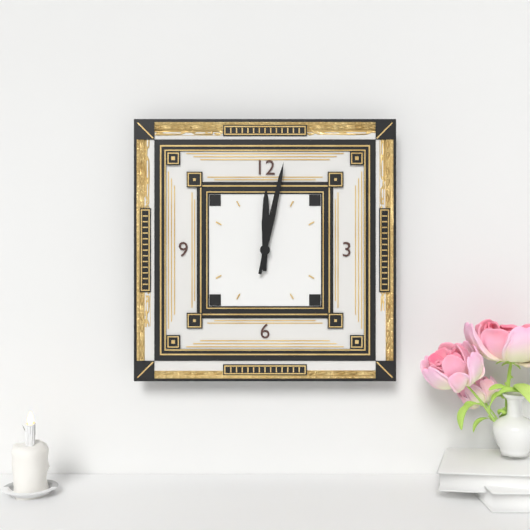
12,02
